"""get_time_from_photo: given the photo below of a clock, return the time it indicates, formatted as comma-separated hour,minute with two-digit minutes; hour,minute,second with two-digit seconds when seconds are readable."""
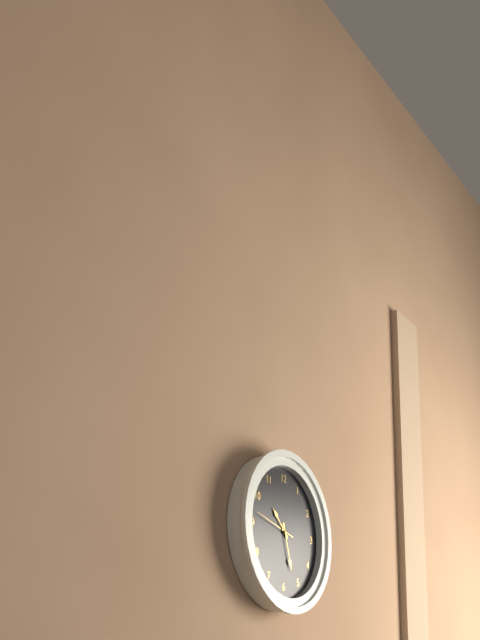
10,27
